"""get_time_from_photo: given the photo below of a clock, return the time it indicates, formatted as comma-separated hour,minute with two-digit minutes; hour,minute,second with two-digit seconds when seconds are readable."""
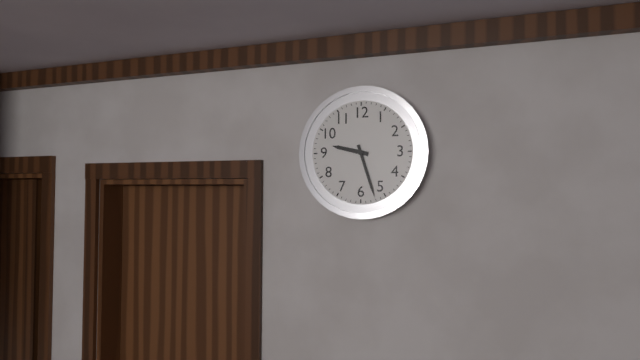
9,27
